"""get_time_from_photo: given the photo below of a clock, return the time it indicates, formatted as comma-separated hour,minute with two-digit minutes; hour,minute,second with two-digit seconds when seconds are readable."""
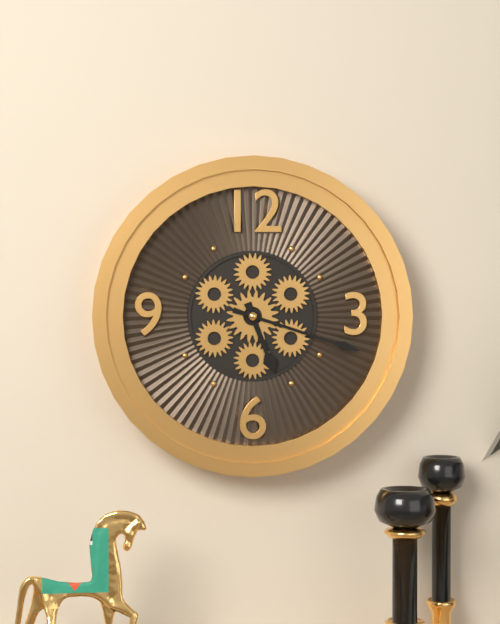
5,18
